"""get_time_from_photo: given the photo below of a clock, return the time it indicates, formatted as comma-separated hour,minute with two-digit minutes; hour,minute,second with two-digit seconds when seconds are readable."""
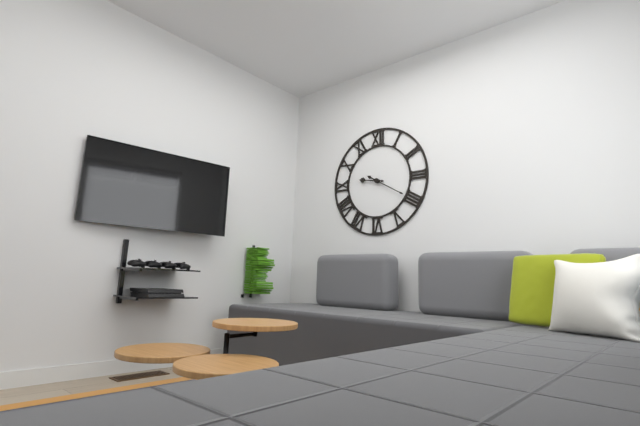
9,20
